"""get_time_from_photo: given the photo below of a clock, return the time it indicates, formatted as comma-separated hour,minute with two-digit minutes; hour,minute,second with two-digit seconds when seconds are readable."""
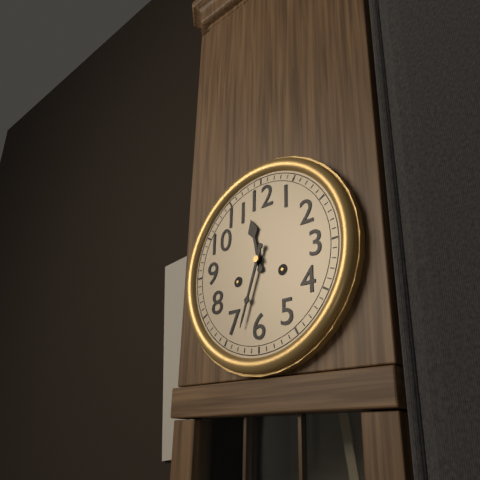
11,33
